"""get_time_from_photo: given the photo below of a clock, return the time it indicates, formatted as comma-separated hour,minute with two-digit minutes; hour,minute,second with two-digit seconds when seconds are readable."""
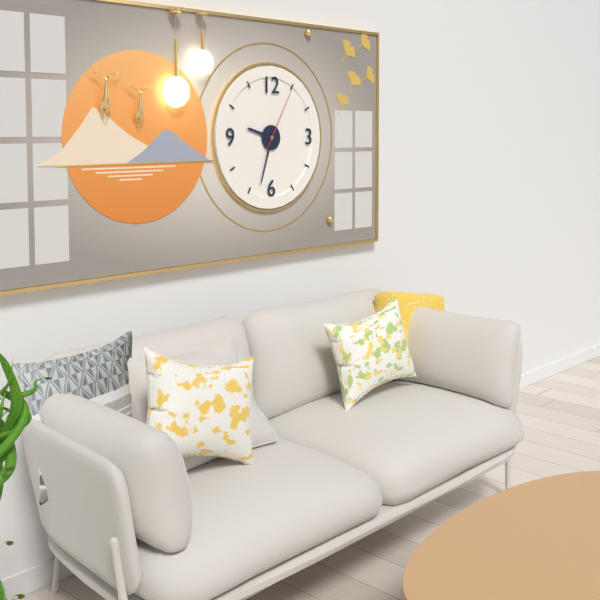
9,33,05
